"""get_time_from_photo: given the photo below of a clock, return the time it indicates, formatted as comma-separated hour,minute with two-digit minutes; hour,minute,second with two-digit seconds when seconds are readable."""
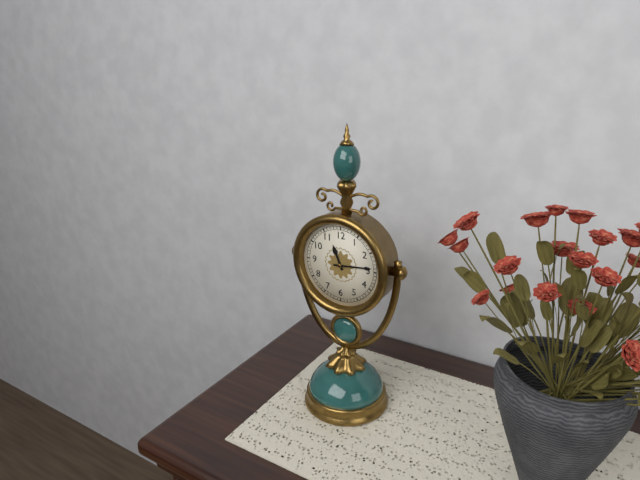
11,14
